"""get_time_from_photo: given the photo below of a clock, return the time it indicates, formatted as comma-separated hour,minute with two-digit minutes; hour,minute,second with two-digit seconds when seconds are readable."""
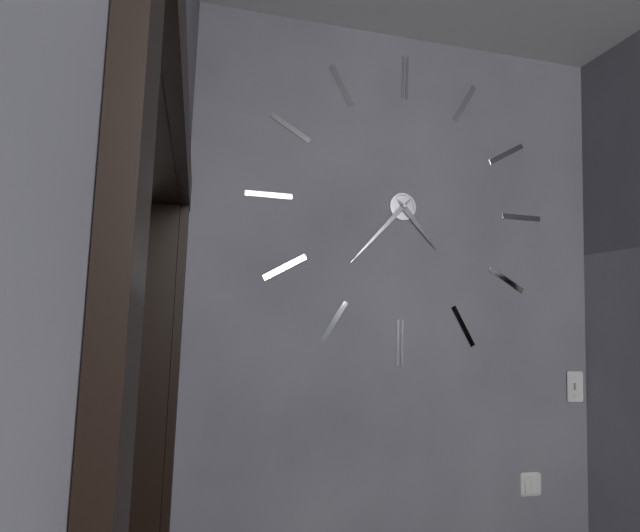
4,37
